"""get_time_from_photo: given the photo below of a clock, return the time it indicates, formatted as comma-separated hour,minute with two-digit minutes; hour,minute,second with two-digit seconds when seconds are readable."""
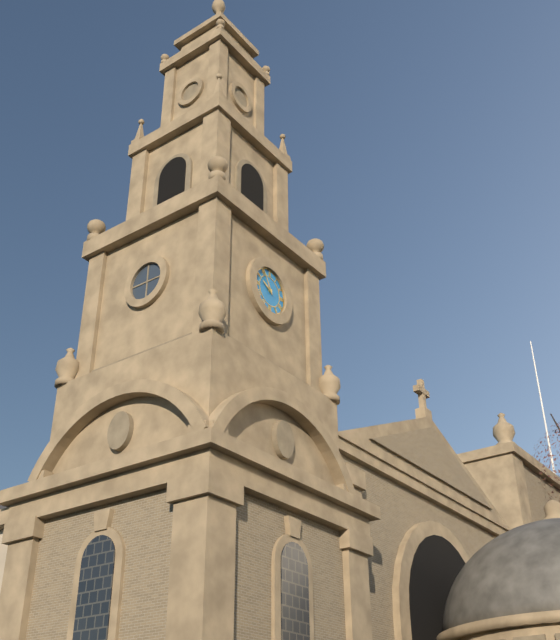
9,55
